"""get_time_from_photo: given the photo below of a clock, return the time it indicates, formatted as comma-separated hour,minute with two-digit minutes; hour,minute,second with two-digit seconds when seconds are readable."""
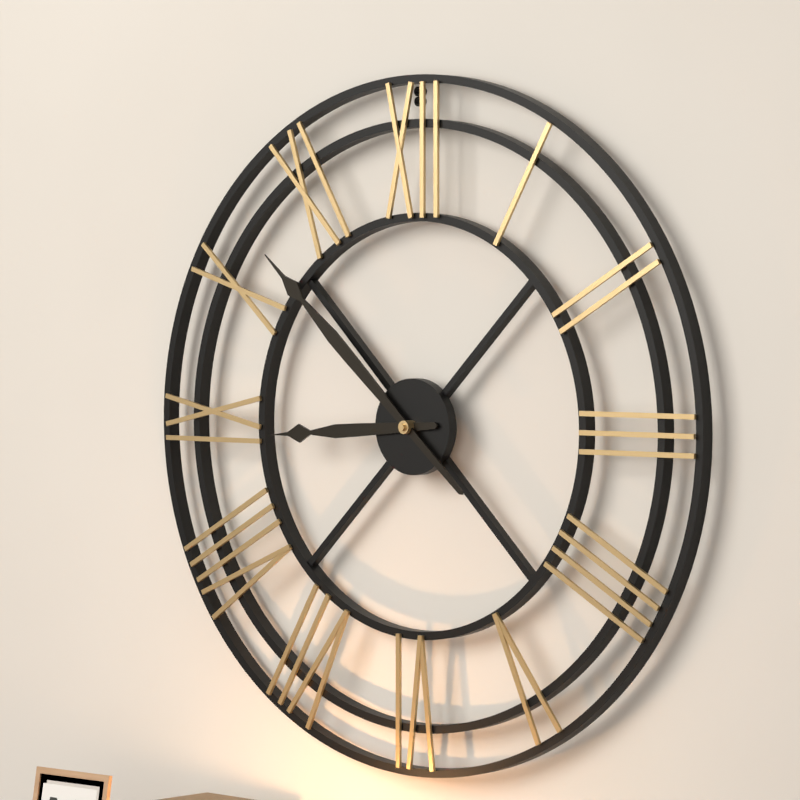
8,52
